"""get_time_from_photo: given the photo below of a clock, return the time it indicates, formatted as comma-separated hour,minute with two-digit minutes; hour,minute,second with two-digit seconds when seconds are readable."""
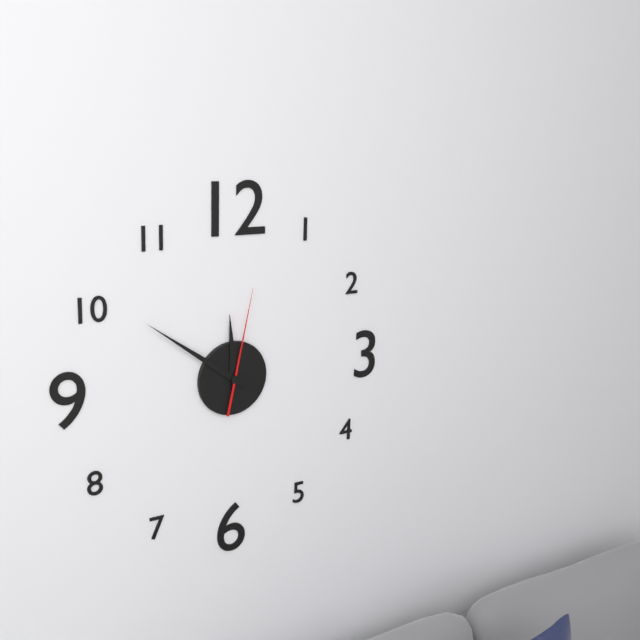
11,51,02
